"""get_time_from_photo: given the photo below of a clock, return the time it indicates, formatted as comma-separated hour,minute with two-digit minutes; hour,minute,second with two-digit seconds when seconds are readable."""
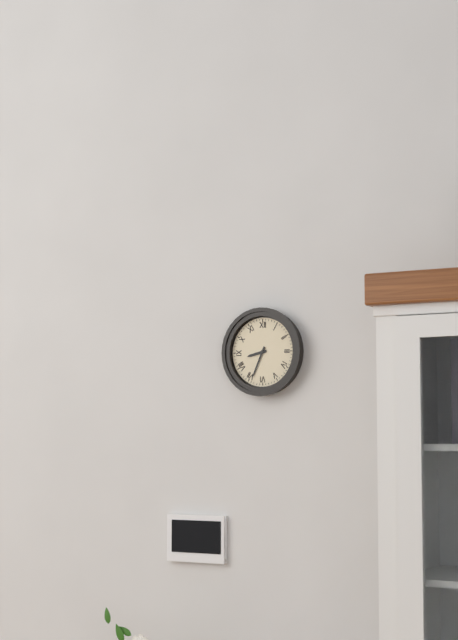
8,34
